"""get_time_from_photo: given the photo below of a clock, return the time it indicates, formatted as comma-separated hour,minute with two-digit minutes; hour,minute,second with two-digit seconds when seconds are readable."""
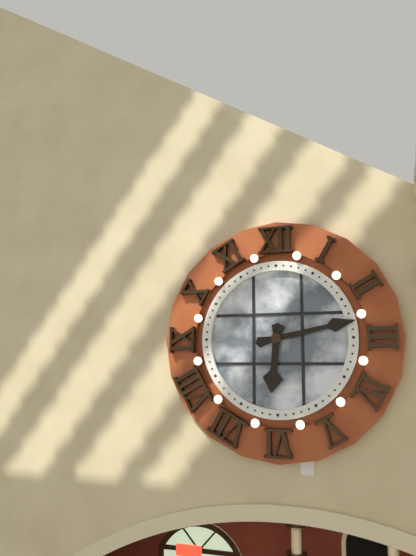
6,13
